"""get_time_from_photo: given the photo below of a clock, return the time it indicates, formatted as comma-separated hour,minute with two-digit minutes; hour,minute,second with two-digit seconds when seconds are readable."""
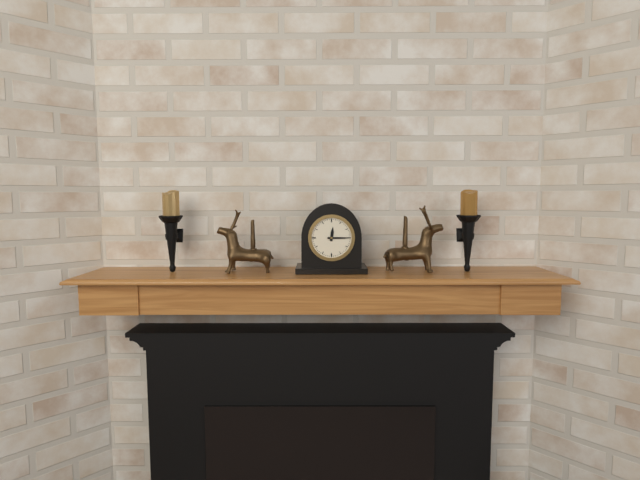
12,15
